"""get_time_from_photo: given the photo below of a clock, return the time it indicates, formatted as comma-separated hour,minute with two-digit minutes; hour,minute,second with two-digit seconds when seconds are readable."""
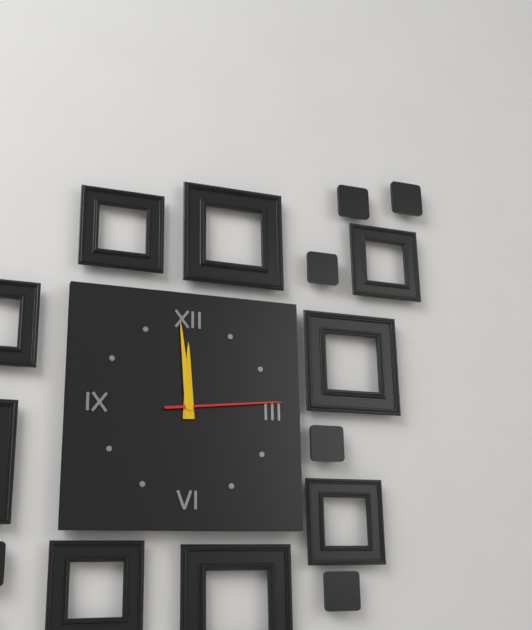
11,59,14
